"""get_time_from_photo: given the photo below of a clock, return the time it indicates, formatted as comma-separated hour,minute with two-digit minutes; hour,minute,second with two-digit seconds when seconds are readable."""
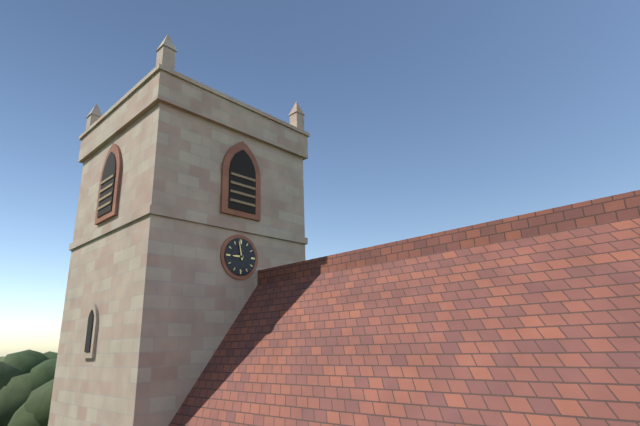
8,58
